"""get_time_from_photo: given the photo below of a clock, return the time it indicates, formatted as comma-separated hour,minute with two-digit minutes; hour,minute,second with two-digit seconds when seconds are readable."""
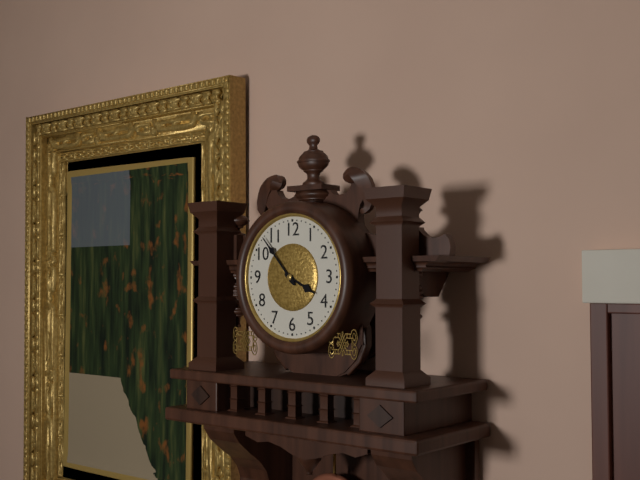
3,53
